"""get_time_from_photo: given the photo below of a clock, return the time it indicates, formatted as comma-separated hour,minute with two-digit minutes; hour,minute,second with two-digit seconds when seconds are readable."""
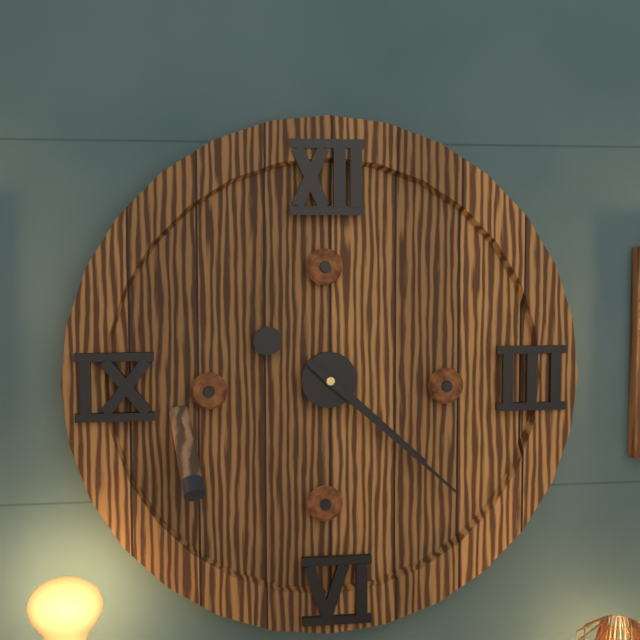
4,22
